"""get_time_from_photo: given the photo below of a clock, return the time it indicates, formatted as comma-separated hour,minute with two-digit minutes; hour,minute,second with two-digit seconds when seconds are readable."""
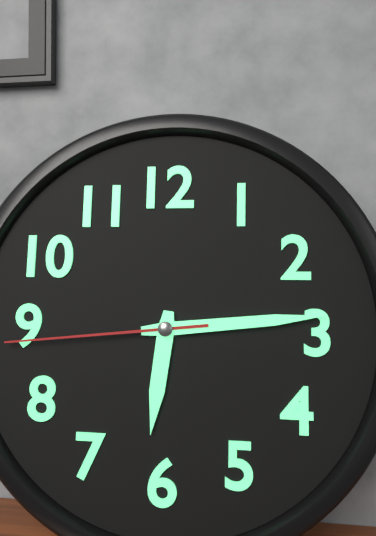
6,14,44
